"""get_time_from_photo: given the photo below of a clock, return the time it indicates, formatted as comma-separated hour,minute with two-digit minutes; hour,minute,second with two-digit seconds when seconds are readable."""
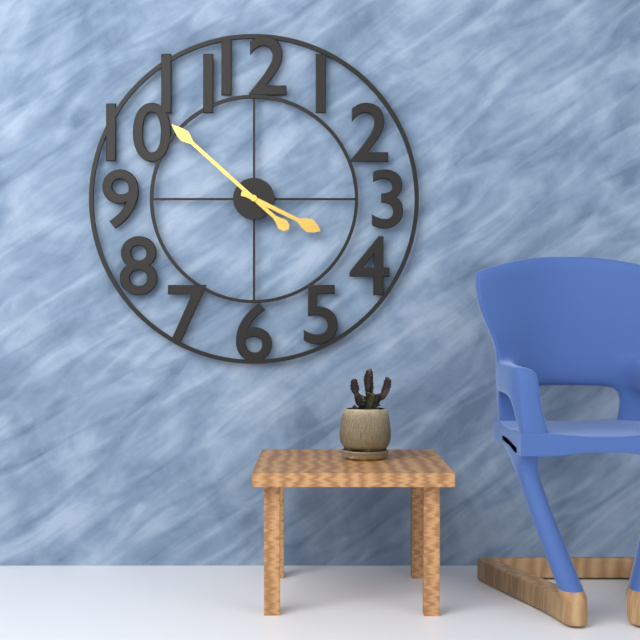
3,52
